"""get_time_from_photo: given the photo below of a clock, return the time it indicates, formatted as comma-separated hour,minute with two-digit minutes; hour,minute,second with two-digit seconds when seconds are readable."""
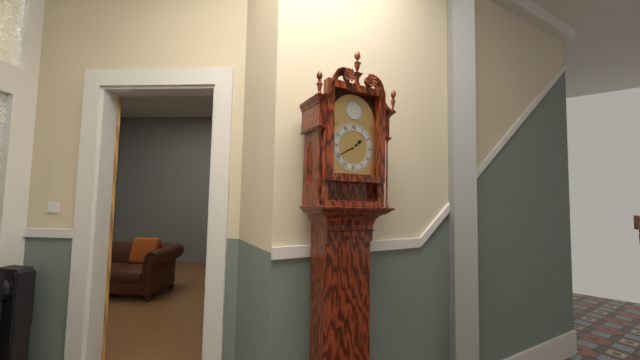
1,40
